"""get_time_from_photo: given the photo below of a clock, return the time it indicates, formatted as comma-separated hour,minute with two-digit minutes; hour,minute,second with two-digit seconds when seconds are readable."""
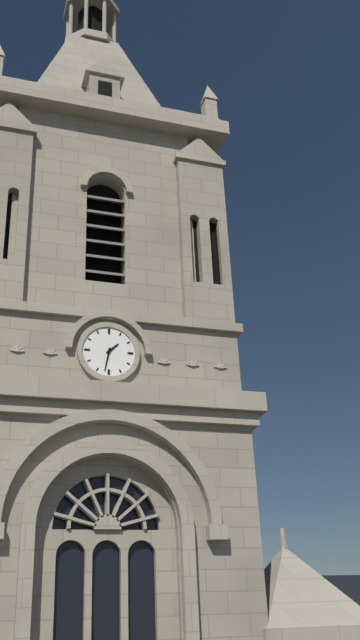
1,32
